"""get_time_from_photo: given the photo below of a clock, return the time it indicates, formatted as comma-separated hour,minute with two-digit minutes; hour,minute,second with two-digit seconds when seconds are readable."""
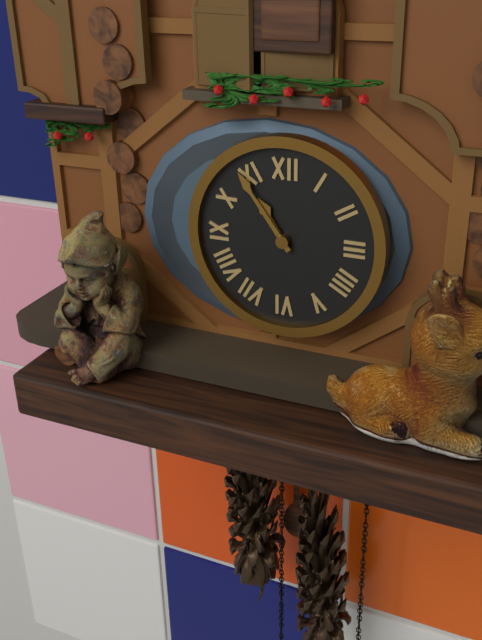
10,54
